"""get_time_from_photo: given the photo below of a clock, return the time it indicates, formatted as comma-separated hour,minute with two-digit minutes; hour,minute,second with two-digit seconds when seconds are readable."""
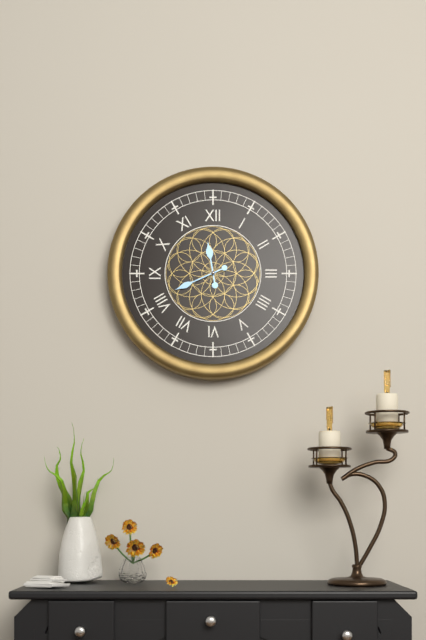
11,41
